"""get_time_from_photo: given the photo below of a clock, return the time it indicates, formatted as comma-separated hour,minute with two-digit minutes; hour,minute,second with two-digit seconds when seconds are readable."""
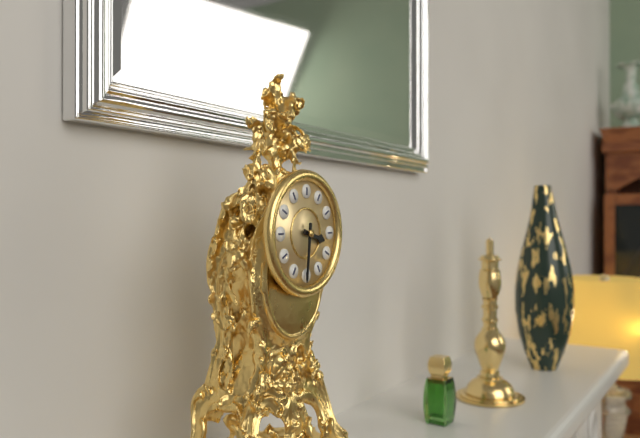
3,31
